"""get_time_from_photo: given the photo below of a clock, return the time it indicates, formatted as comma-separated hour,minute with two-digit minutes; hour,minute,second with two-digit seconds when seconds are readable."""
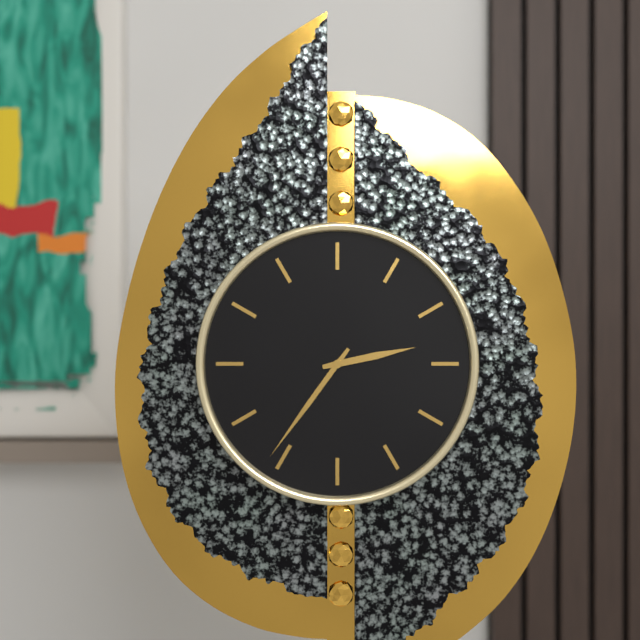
2,36
